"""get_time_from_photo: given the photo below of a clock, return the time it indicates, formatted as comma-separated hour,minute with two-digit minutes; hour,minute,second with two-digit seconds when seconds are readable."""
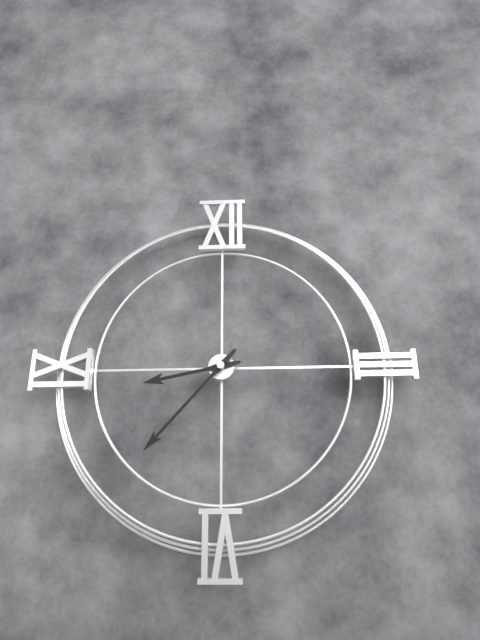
8,37
